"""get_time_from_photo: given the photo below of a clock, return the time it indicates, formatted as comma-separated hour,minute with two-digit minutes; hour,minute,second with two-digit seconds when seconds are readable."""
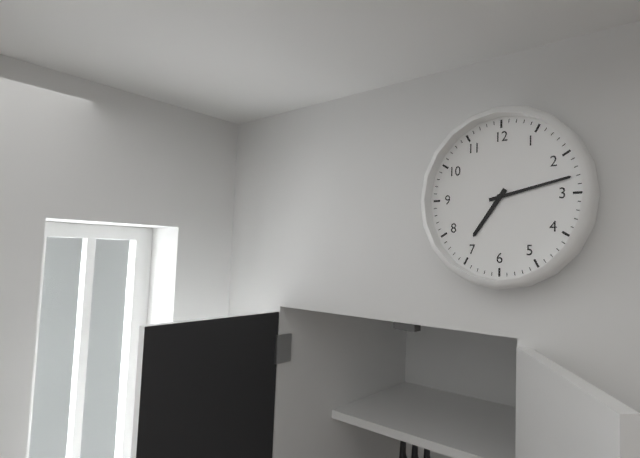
7,13
